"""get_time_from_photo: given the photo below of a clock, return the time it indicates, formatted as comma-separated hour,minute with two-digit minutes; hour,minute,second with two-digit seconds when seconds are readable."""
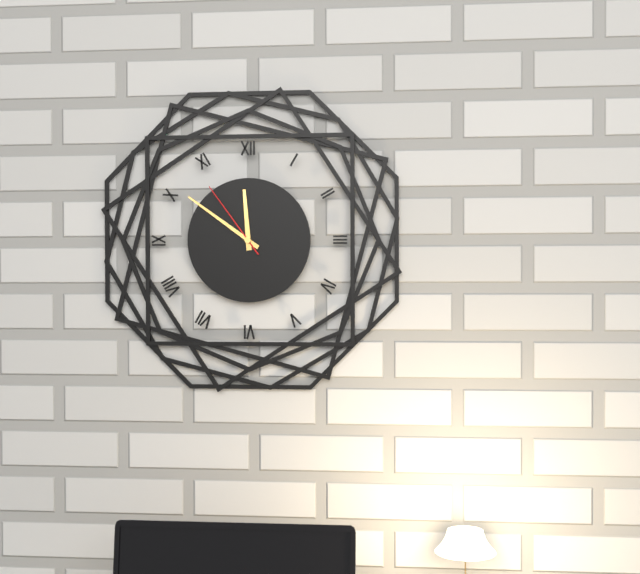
11,51,54
